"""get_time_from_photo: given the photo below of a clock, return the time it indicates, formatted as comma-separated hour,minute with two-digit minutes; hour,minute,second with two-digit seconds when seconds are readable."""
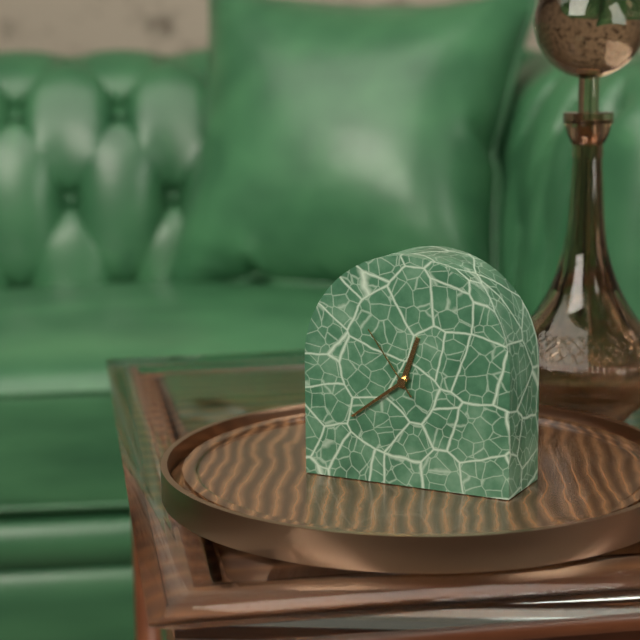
12,39,54
